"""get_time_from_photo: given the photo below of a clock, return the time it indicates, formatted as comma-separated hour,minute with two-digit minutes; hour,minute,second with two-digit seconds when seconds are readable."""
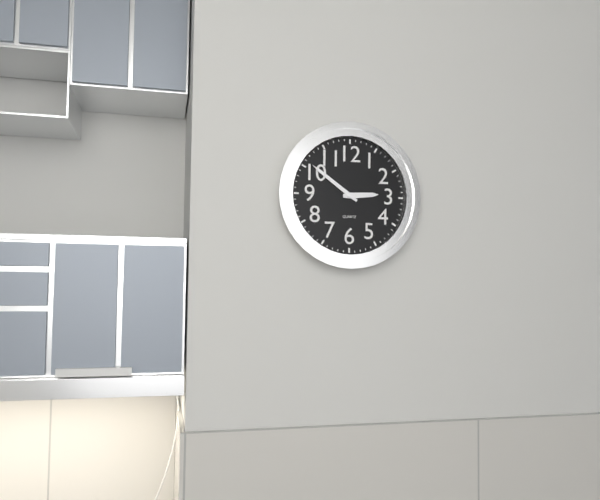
2,51
